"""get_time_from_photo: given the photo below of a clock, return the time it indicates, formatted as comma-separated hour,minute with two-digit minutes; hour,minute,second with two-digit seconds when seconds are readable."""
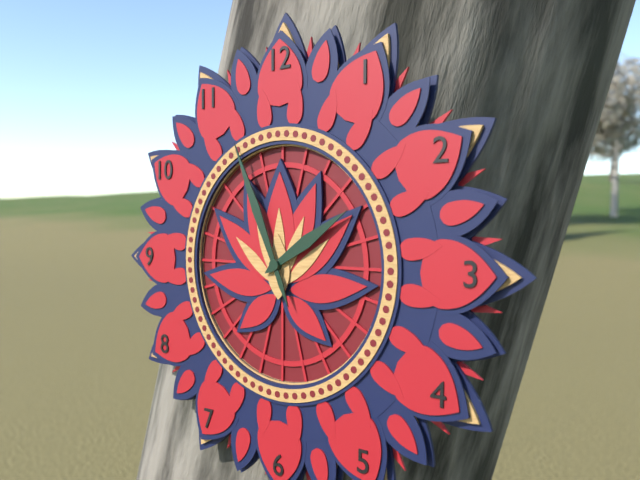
1,56
